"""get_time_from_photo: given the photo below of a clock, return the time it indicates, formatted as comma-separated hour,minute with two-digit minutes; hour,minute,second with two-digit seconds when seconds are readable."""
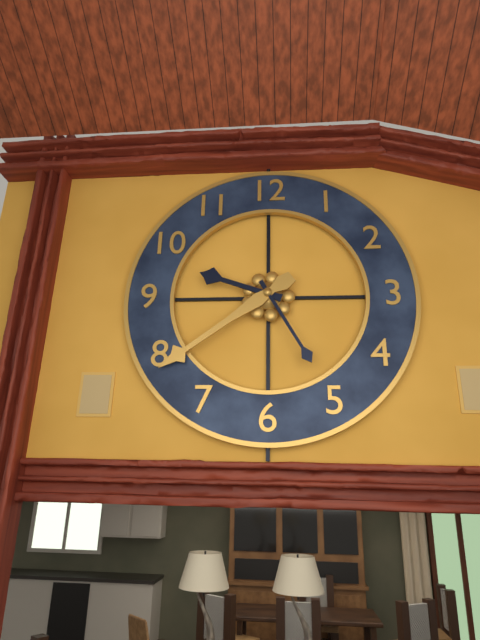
9,39,25
